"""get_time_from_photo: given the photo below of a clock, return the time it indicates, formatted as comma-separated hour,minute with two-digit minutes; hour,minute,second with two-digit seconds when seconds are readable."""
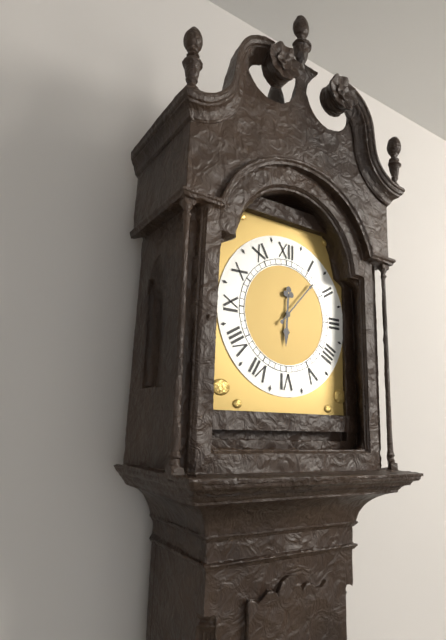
6,07
